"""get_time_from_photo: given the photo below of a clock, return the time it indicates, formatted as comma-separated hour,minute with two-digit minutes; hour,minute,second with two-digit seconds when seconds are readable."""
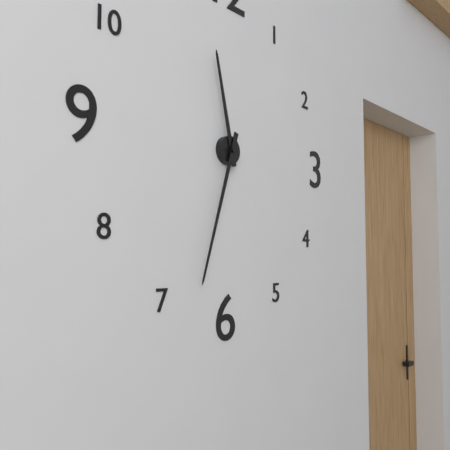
11,33
